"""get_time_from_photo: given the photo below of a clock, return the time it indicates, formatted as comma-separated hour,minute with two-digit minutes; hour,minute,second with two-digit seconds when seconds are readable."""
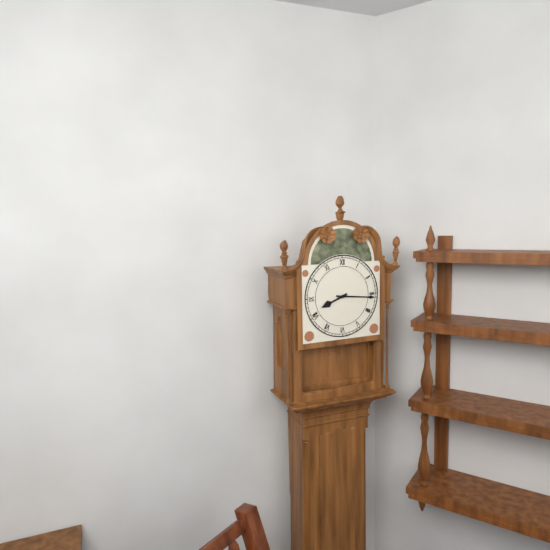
8,16
